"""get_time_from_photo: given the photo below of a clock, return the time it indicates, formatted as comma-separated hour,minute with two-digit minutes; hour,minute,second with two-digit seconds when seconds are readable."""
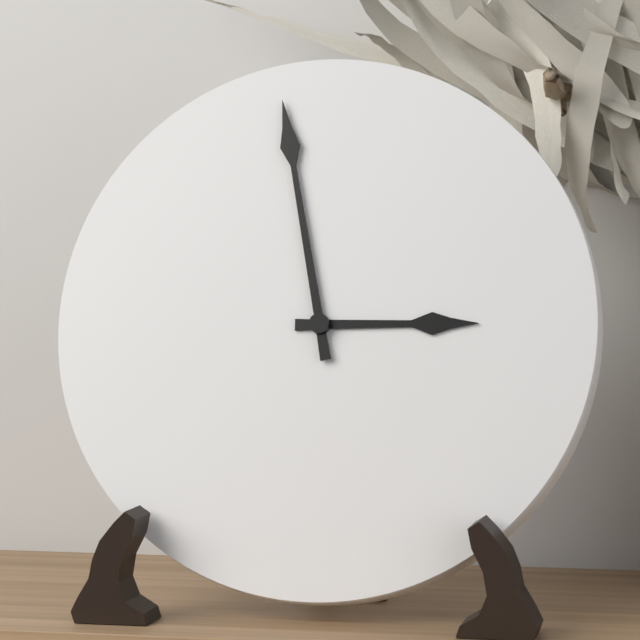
2,58
